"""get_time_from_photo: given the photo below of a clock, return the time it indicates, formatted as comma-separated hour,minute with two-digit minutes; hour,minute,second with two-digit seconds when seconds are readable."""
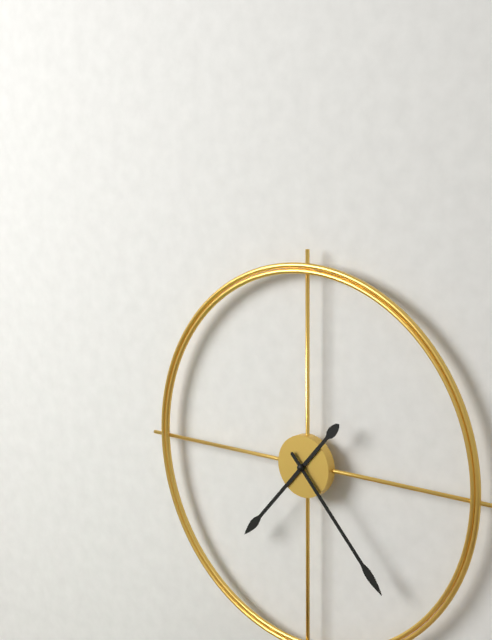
7,23
